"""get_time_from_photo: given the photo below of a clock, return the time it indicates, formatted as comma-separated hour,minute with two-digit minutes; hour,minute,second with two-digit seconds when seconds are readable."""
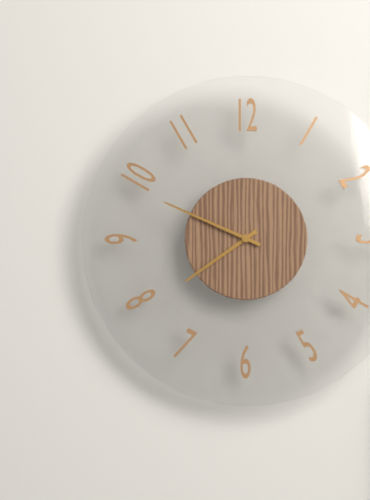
7,49
